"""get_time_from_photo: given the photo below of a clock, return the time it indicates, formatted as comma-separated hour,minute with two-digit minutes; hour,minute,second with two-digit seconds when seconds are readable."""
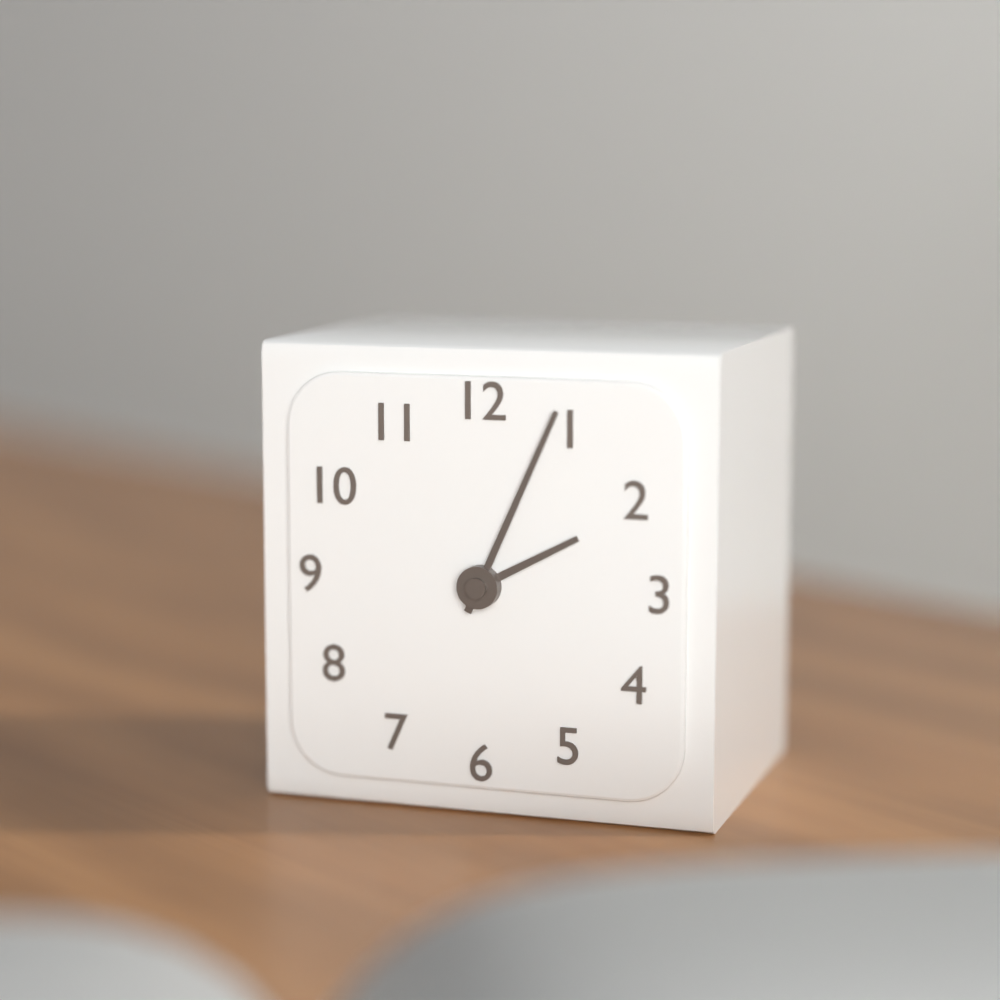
2,04
